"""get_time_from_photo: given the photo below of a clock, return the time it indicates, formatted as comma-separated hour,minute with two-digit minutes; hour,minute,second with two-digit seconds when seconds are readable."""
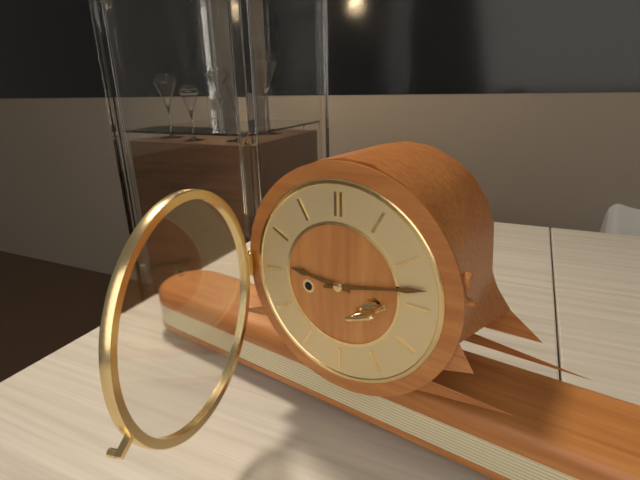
9,13
